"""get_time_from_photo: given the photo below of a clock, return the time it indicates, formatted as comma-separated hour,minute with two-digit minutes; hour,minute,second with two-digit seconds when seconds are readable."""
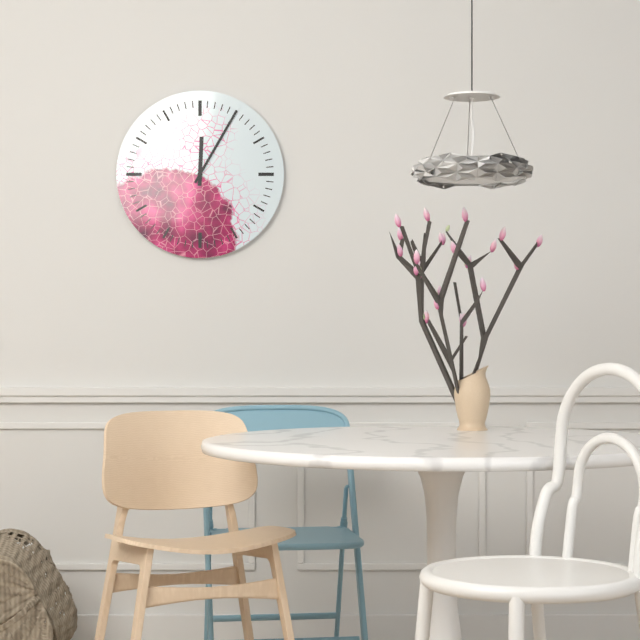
12,05
